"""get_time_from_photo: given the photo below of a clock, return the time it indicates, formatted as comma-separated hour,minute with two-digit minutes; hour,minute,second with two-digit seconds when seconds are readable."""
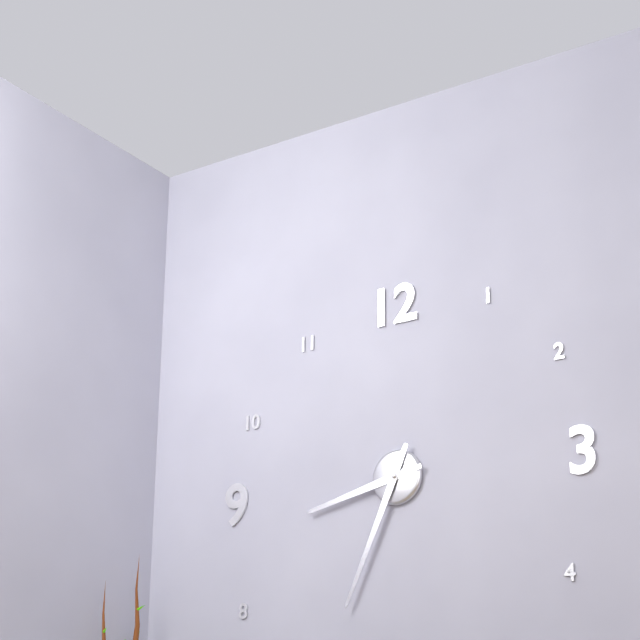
8,34
